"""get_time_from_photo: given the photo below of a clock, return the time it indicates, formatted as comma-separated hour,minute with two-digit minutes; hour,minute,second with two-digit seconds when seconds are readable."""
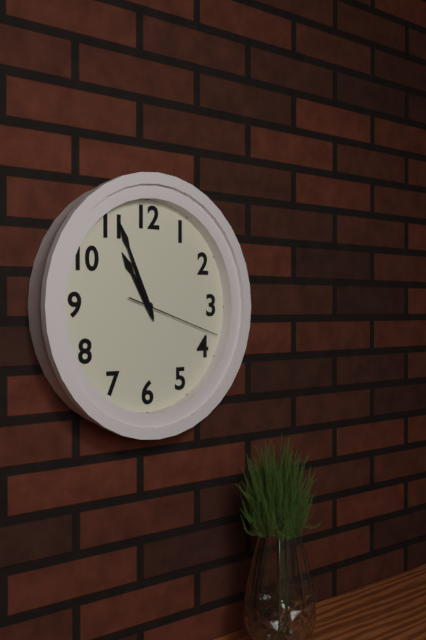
10,56,18
